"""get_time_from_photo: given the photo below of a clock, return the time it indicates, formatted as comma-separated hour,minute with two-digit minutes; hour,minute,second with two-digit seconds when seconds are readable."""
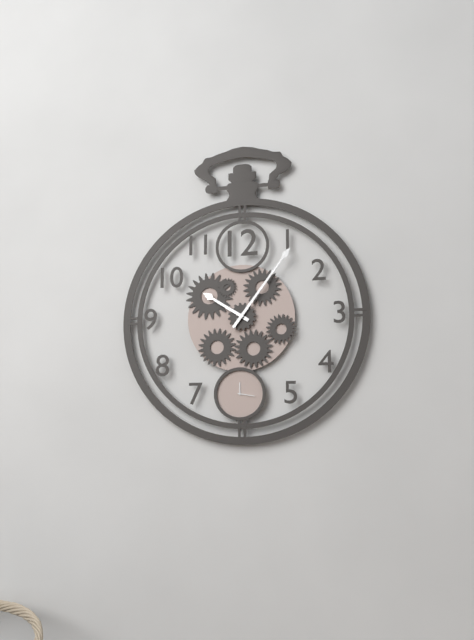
10,06
